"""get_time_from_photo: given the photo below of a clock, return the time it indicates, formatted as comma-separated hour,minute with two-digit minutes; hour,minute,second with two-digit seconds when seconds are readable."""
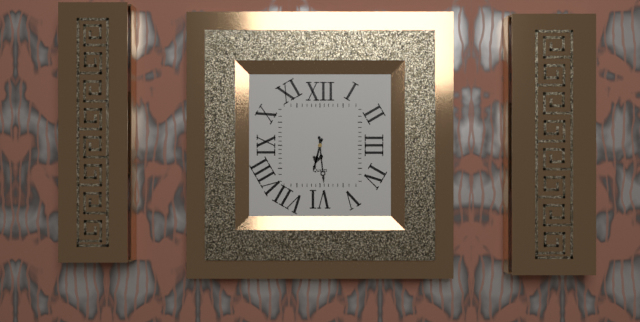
6,29
